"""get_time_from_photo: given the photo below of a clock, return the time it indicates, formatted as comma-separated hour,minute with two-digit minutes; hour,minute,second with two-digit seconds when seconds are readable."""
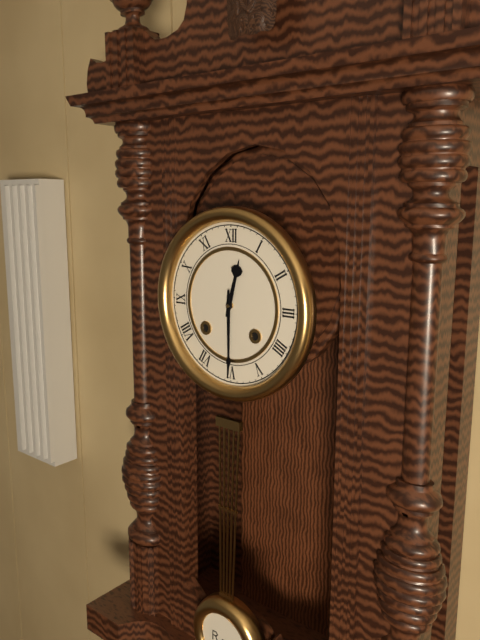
12,30
